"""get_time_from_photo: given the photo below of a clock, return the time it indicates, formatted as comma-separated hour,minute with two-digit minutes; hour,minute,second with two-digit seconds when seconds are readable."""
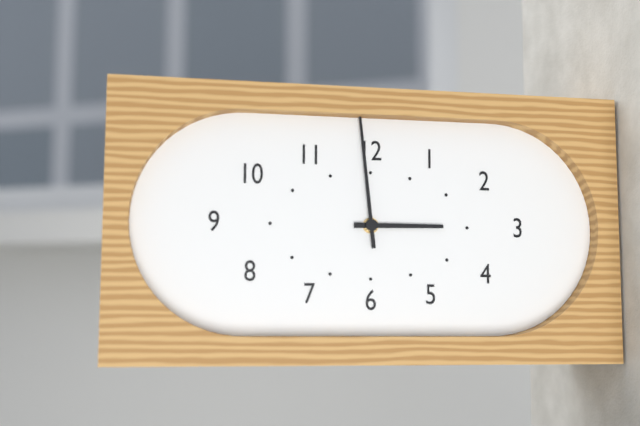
2,59
